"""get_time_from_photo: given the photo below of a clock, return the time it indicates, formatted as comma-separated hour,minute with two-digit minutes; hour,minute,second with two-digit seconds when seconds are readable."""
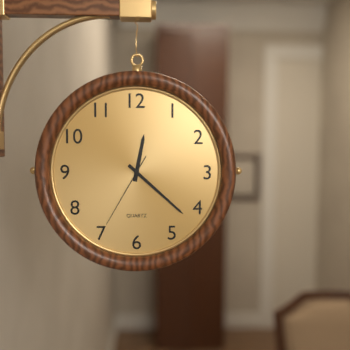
12,22,35
